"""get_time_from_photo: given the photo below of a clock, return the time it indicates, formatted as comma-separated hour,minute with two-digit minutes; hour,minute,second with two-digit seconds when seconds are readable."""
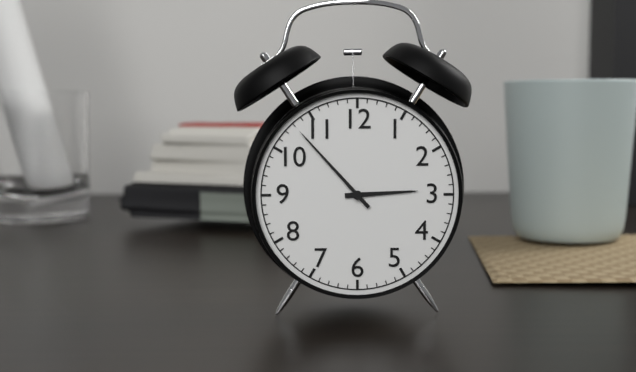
2,53
